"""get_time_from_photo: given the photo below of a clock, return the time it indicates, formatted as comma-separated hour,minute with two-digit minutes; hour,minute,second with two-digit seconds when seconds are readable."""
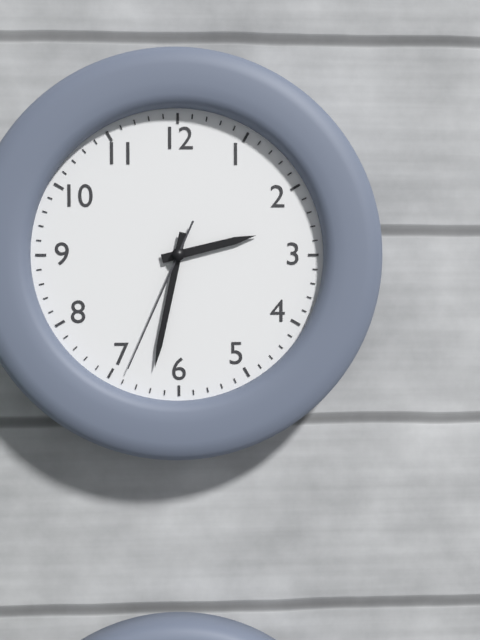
2,32,34
